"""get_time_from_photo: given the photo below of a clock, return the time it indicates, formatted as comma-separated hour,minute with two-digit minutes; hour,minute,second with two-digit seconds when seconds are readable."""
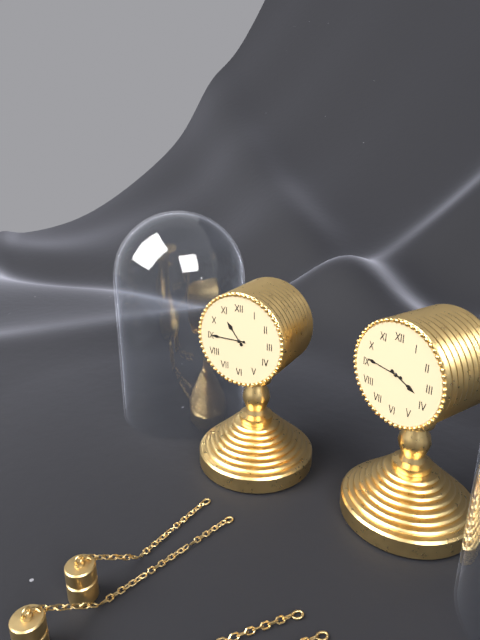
10,45
